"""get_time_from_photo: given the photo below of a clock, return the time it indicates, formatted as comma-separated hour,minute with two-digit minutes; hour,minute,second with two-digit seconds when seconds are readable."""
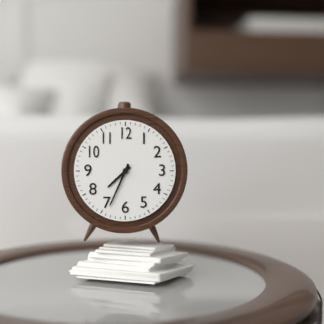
7,34
